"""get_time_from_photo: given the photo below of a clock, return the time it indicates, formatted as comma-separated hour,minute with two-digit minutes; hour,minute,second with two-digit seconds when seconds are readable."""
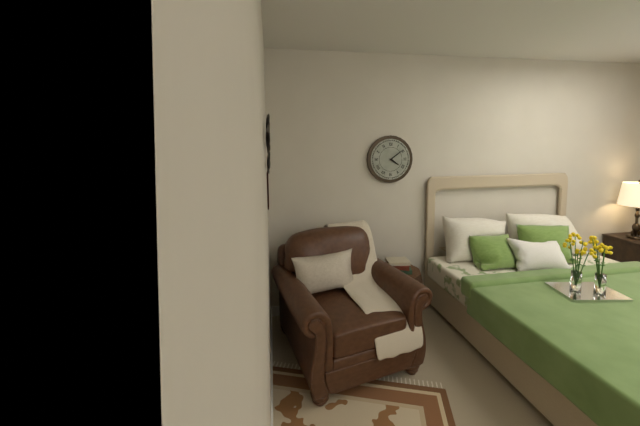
4,09
